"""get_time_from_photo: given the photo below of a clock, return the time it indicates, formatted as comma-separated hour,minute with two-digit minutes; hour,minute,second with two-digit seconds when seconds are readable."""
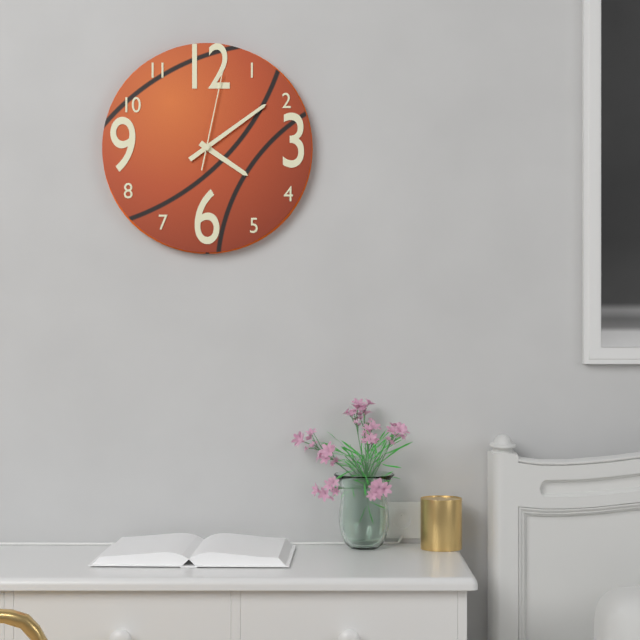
4,09,02
